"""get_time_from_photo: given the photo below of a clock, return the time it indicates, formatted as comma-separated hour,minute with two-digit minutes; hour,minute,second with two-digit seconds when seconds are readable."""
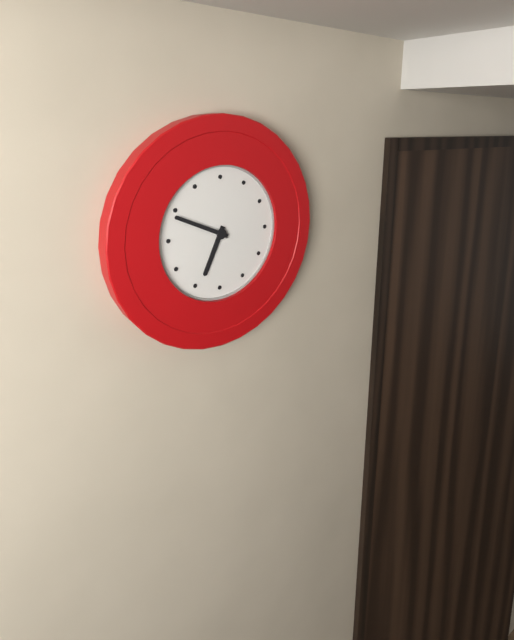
6,49
